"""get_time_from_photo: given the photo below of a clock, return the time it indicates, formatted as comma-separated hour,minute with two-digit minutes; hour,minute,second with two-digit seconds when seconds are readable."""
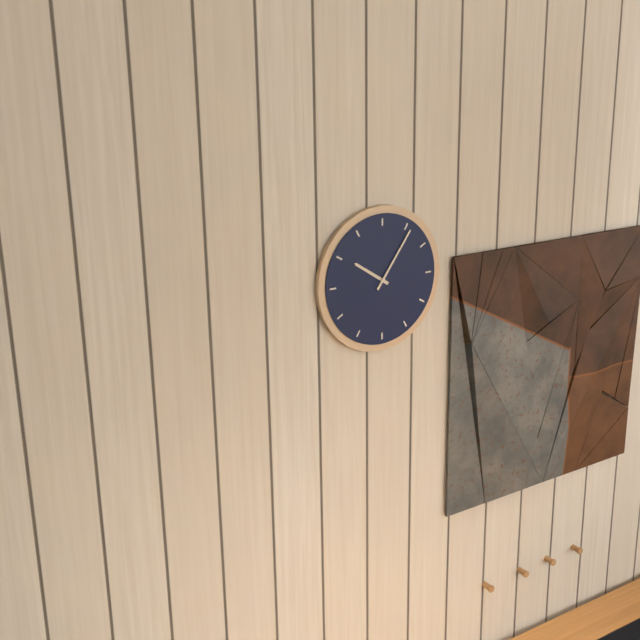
10,06
